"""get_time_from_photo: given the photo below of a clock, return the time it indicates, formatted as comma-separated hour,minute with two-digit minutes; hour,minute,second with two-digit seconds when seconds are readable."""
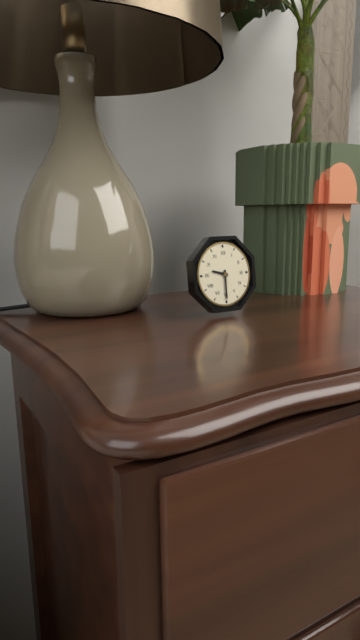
9,30
